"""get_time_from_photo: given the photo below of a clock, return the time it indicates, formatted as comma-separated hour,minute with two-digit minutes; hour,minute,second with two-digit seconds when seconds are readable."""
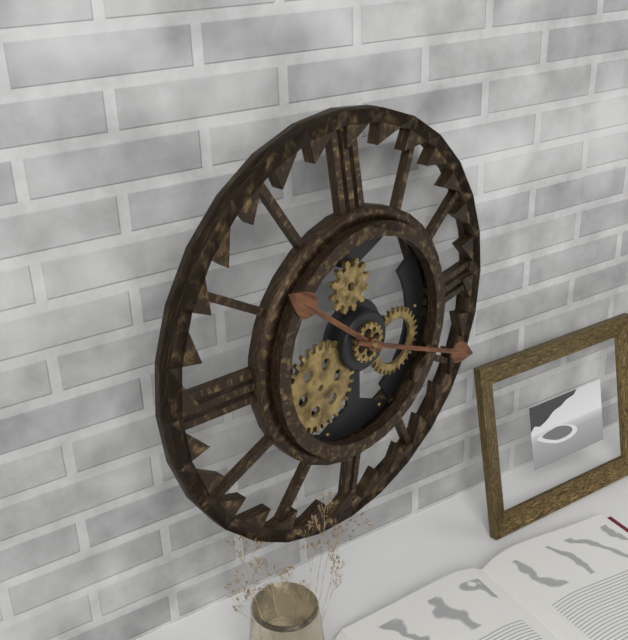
10,19
